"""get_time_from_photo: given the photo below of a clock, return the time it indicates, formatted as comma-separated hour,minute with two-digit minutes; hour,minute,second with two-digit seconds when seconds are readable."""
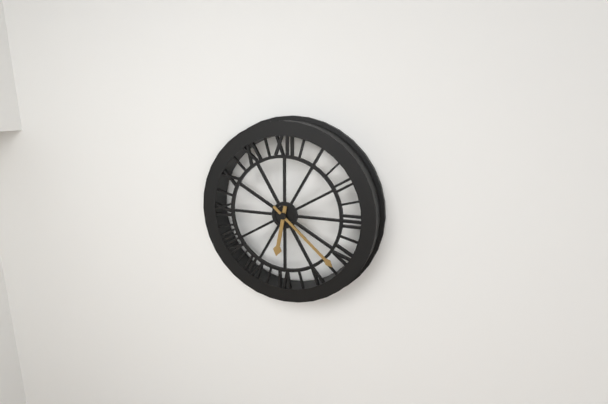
6,22
